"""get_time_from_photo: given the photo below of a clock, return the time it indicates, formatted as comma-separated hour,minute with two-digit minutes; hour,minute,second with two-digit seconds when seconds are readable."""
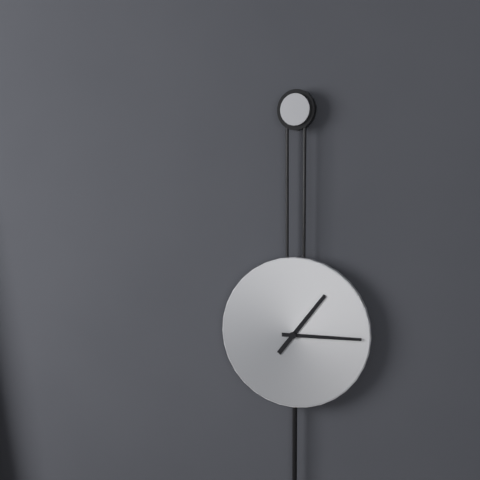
1,15
